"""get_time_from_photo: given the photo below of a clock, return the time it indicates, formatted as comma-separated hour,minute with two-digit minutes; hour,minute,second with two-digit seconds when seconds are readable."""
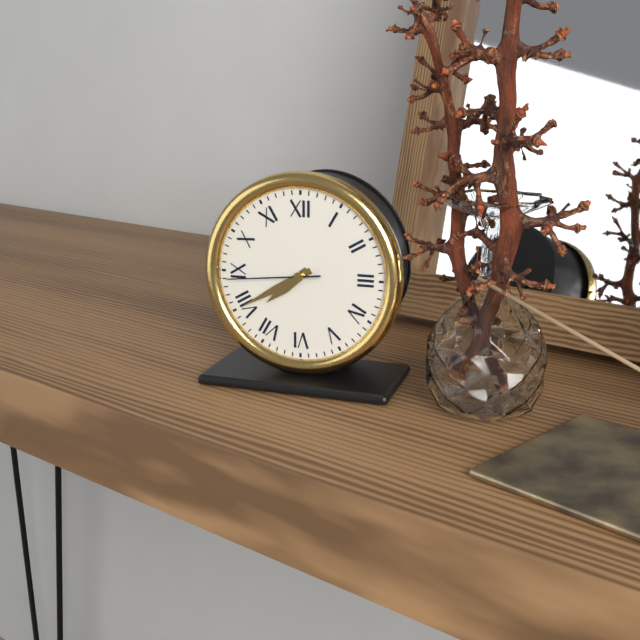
7,40,44
